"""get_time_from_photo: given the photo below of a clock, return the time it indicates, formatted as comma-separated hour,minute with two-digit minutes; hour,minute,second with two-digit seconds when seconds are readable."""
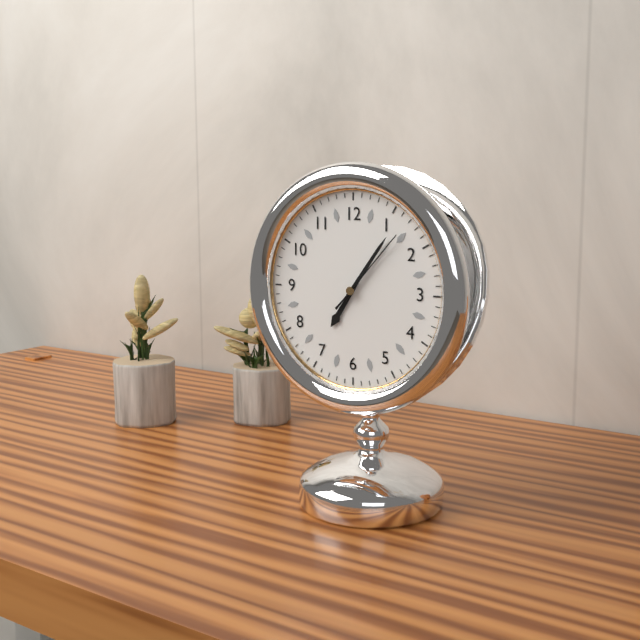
7,06,07
